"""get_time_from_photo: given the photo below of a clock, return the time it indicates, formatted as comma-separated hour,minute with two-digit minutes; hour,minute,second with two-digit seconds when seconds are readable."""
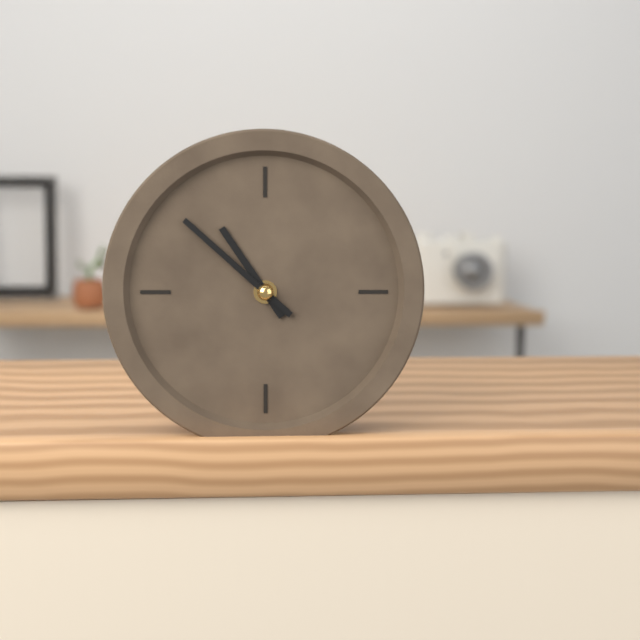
10,52
